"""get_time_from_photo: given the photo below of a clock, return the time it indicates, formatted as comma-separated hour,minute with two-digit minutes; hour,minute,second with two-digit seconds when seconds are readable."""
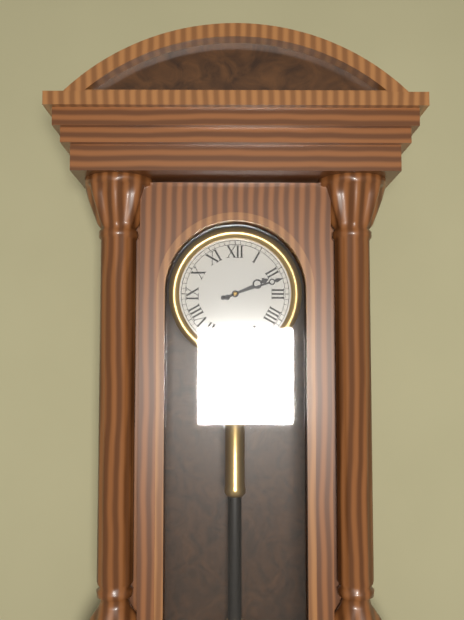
2,12
